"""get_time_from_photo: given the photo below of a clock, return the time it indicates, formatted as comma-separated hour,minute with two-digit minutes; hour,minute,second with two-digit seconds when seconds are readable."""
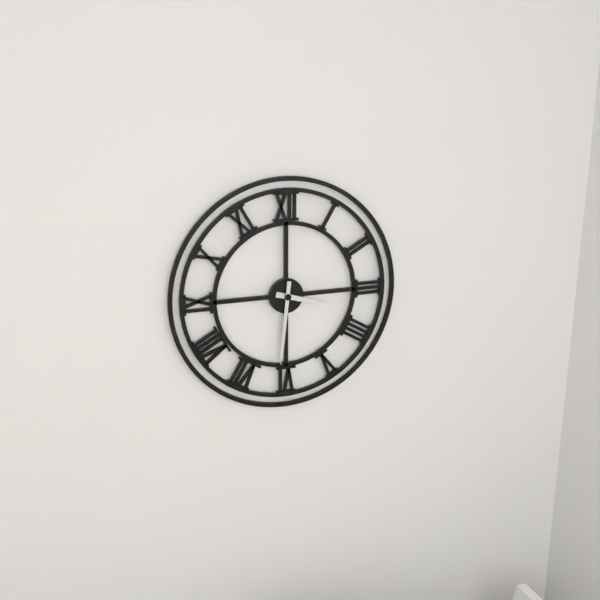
3,31
